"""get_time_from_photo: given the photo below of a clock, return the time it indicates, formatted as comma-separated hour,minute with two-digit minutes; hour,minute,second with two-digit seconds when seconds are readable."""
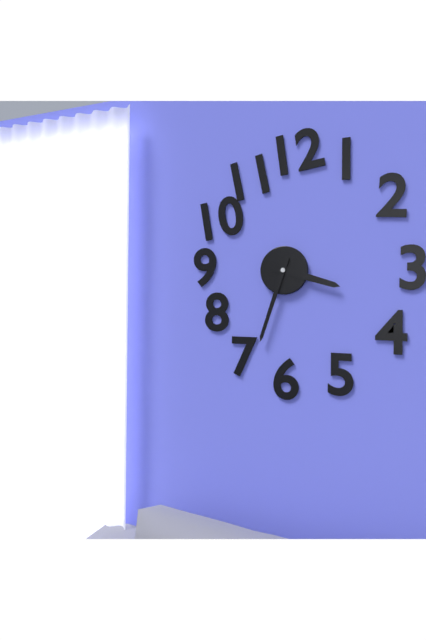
3,33
